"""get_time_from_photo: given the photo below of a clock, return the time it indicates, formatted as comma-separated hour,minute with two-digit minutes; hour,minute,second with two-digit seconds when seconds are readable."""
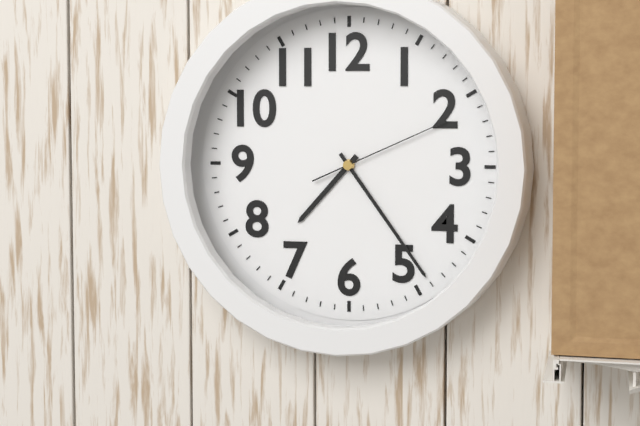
7,24,11
